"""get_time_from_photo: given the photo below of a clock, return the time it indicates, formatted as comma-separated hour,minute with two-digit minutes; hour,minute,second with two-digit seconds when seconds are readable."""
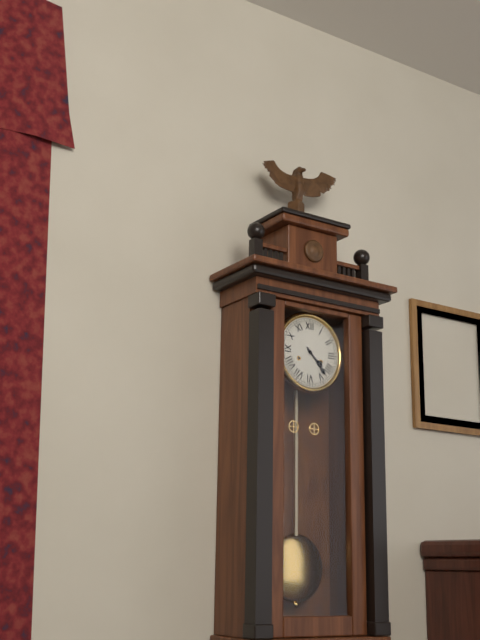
4,23
